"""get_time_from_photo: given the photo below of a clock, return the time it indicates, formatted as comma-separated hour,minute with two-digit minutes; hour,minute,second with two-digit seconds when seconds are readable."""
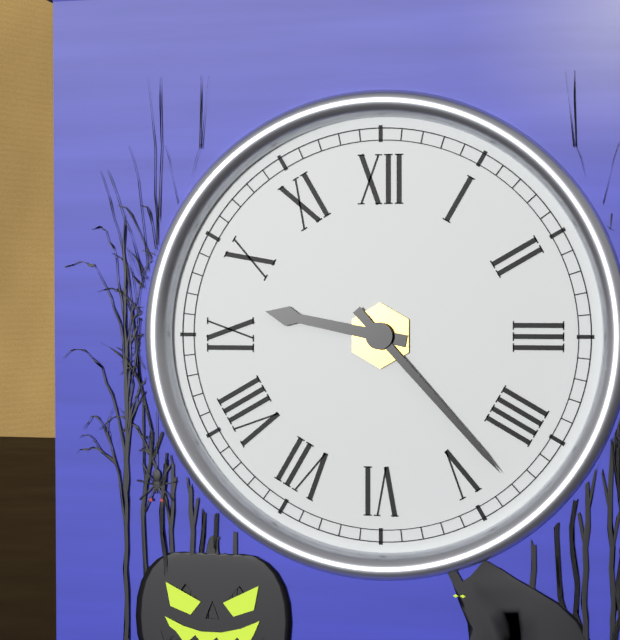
9,23
